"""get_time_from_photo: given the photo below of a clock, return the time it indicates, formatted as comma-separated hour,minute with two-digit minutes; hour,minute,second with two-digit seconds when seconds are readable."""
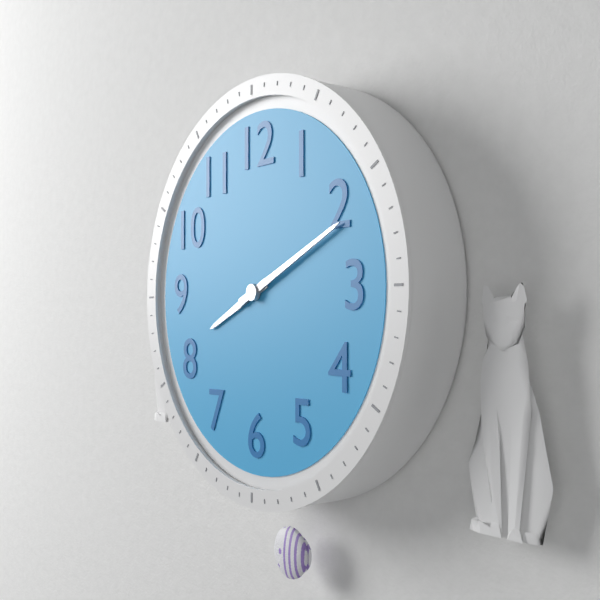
8,11
